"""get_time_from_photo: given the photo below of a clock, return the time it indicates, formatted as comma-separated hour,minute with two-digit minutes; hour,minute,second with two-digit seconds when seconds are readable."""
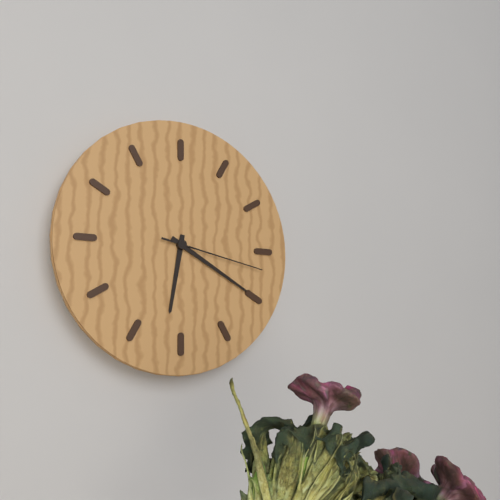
6,20,17
